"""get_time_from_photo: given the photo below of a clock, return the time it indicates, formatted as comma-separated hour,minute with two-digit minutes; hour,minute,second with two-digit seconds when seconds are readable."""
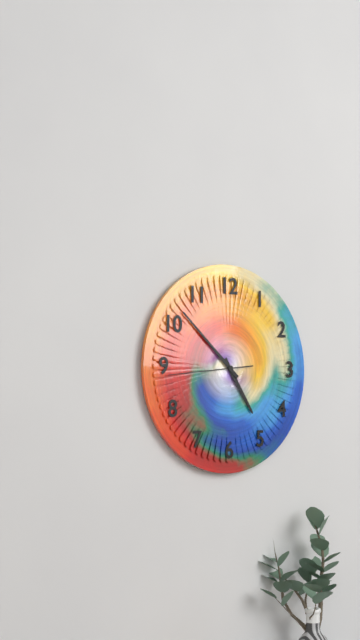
4,52,44
